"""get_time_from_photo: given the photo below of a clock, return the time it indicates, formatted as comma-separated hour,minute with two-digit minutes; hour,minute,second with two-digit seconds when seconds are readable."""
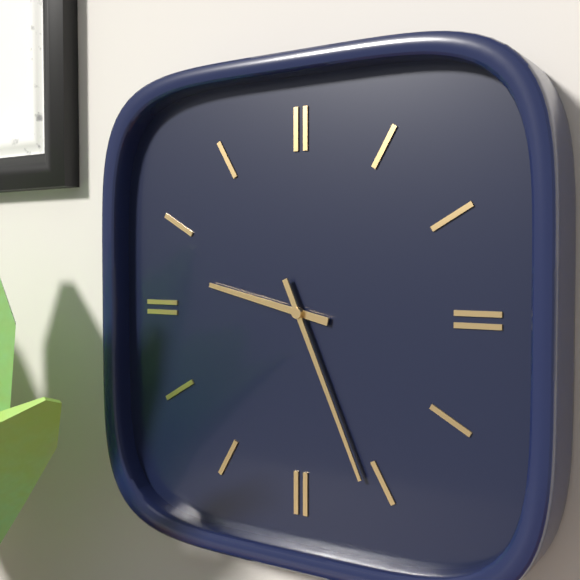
9,26
